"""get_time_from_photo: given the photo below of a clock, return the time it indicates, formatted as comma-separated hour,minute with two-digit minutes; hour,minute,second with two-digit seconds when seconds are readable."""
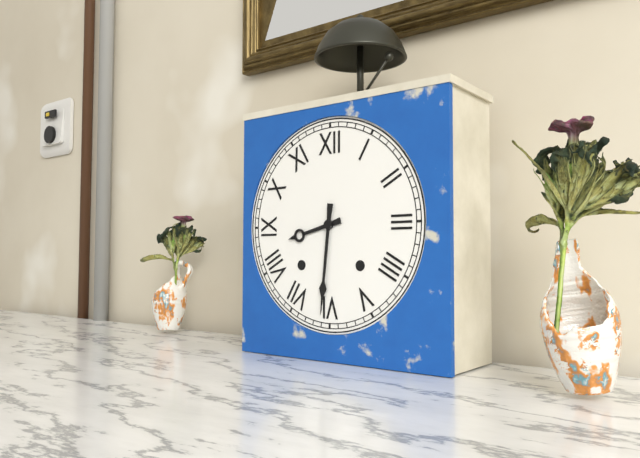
8,31
